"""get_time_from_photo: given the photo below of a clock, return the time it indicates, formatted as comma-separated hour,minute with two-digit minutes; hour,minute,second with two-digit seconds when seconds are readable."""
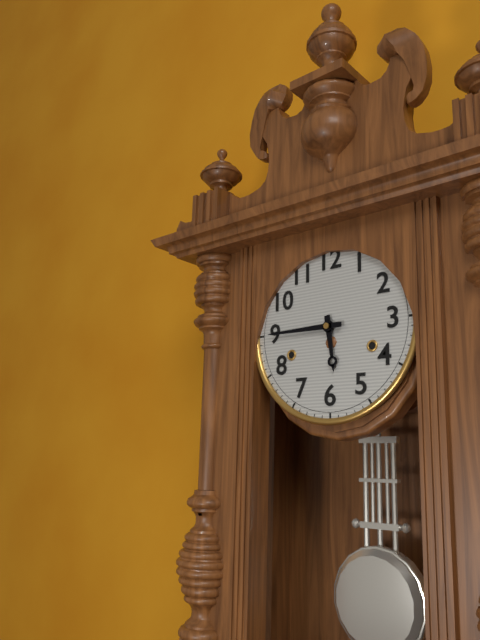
5,45
